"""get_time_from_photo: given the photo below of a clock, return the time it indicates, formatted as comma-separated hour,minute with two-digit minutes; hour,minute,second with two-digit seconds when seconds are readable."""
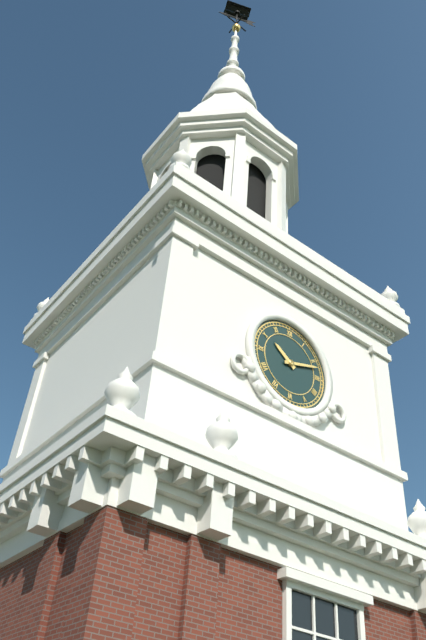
10,12
